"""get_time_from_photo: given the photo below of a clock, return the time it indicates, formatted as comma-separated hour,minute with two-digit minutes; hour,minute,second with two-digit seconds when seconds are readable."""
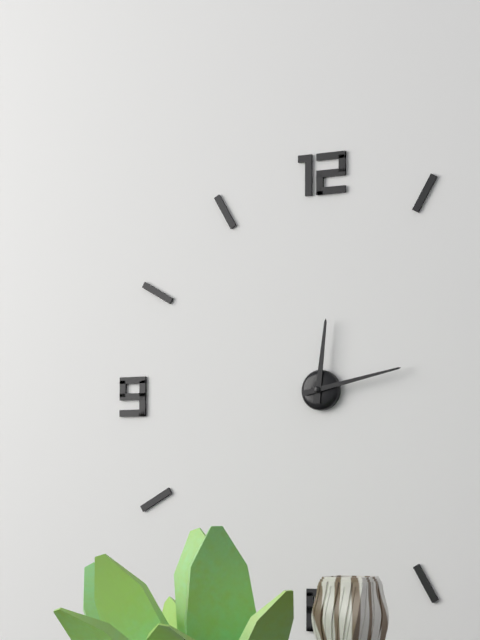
12,13
